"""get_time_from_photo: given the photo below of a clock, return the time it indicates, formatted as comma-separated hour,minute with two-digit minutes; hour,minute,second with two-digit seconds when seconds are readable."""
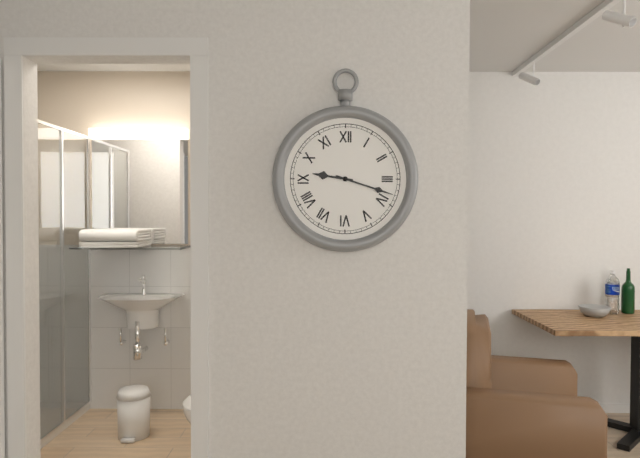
9,18
